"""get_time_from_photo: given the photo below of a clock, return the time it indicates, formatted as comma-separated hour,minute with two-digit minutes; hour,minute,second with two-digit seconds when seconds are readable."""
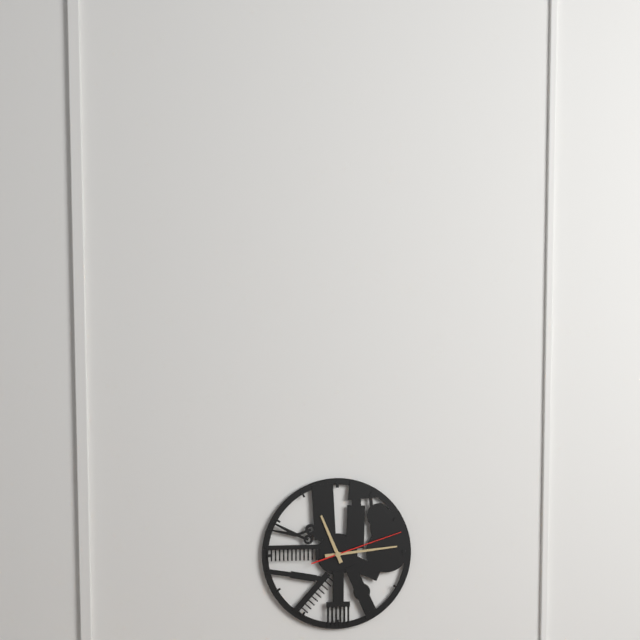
11,14,12
